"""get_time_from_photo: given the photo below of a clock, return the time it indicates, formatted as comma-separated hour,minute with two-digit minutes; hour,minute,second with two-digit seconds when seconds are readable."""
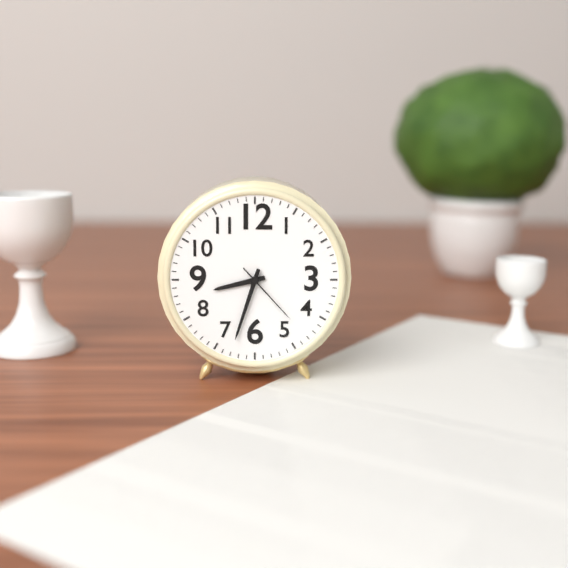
8,33,23
